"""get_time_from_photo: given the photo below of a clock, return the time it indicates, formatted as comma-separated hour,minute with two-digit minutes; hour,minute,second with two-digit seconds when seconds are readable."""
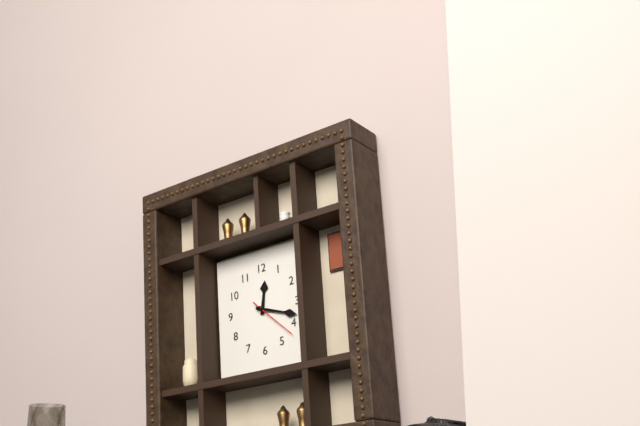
12,18
